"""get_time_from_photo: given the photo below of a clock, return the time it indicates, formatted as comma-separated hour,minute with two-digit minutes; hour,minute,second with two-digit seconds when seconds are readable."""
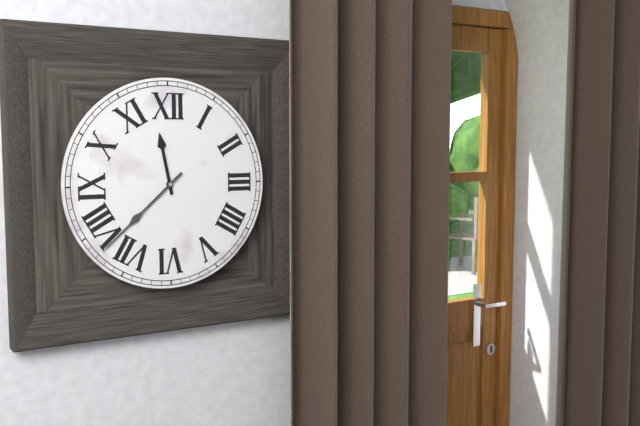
11,38
